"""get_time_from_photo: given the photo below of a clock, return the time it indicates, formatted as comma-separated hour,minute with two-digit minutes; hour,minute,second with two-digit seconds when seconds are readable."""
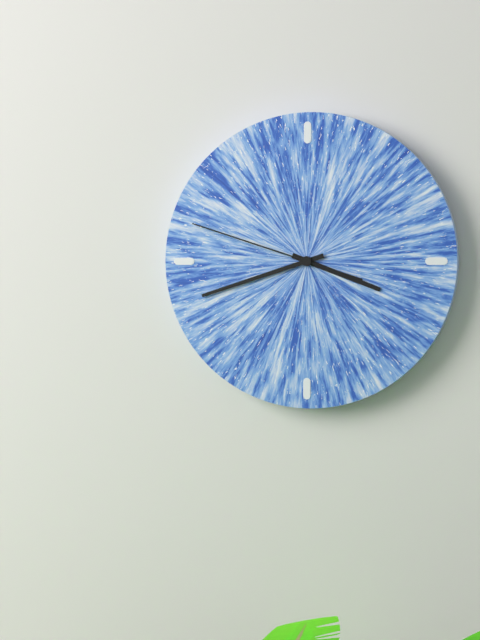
3,42,48
